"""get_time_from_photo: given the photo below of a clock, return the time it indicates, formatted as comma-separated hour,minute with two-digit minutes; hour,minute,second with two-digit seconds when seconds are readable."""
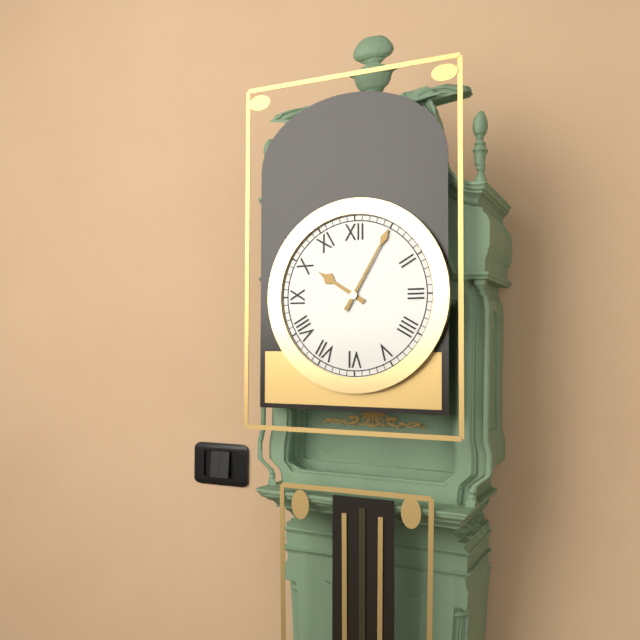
10,05
